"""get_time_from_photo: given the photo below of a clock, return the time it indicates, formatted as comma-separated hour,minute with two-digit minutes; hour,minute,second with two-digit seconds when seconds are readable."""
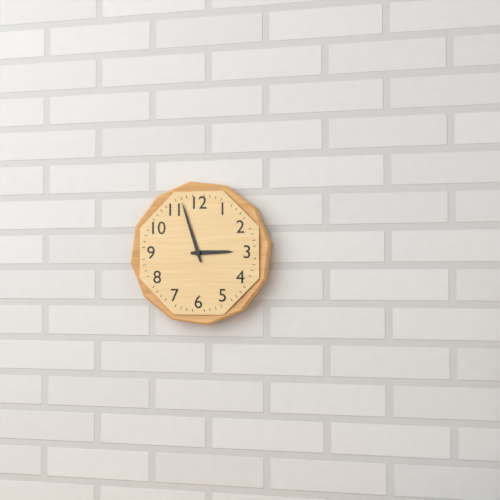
2,57
